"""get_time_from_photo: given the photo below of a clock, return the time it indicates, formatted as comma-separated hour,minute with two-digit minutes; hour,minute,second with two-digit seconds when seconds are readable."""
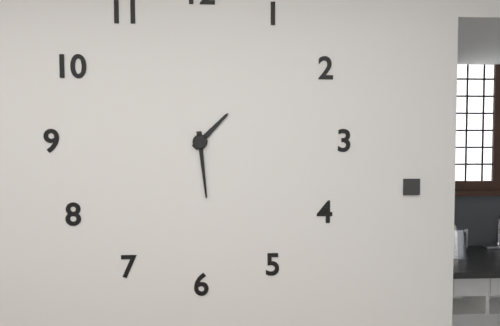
1,29
